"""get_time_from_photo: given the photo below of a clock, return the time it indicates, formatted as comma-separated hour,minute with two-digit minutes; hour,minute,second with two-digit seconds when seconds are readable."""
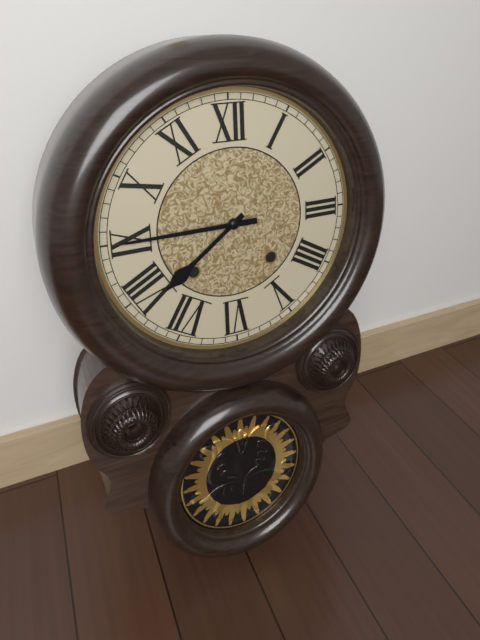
7,45
